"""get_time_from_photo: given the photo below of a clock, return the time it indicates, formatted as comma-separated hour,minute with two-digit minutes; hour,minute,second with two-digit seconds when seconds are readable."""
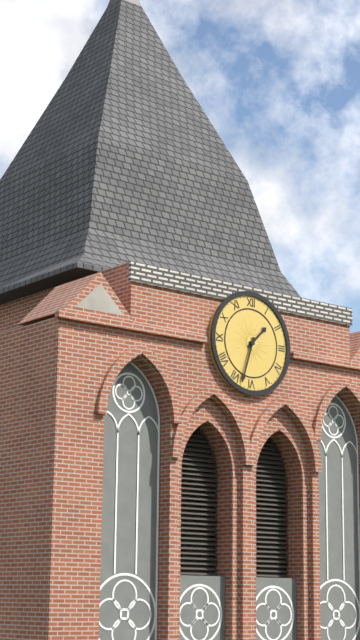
1,33
